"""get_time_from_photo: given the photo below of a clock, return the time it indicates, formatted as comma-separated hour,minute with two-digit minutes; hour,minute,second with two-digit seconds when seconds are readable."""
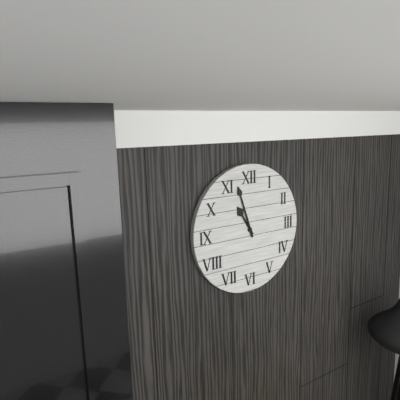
10,57
